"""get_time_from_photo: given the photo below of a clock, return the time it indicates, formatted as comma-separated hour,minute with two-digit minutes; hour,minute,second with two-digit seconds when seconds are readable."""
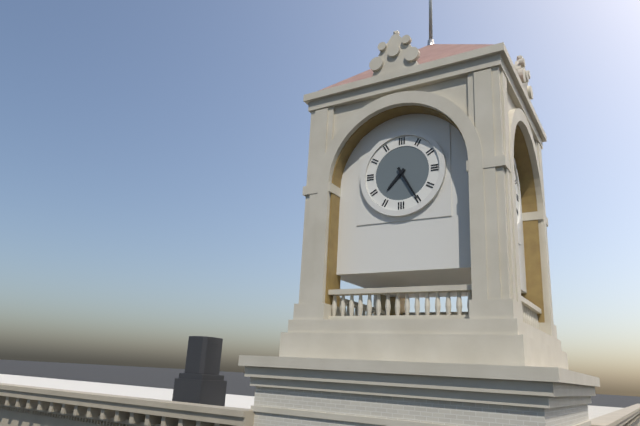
7,25
